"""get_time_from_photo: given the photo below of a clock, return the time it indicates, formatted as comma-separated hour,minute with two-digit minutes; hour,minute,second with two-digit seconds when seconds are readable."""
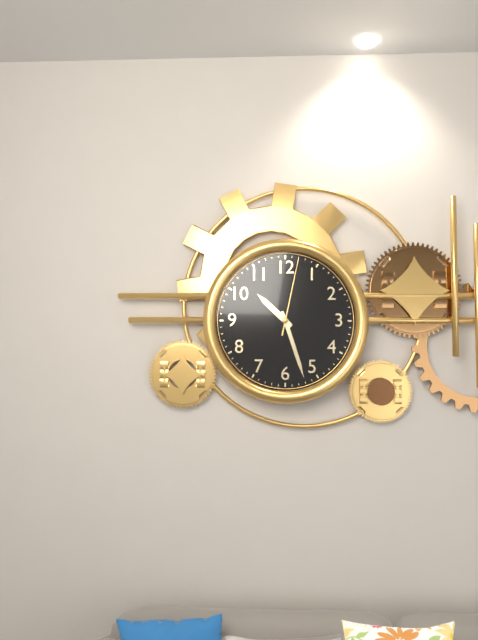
10,27,02
